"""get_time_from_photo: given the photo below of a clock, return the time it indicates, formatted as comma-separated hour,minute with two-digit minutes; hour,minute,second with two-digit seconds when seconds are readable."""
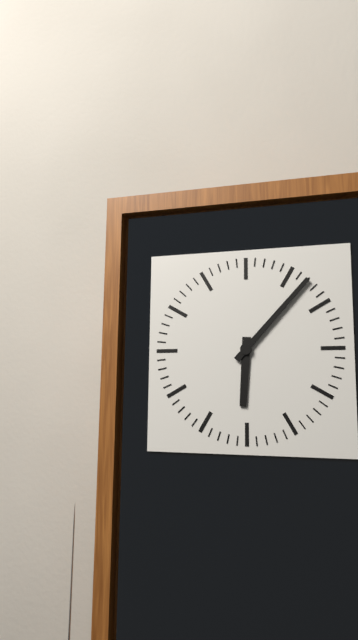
6,07
